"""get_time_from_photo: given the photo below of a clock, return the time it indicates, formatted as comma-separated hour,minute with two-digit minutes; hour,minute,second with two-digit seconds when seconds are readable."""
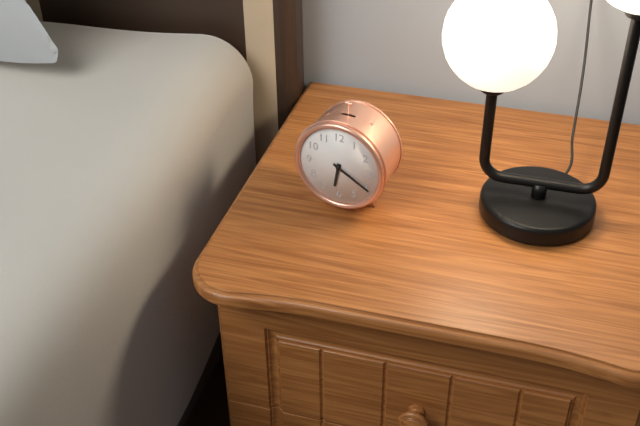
6,20
